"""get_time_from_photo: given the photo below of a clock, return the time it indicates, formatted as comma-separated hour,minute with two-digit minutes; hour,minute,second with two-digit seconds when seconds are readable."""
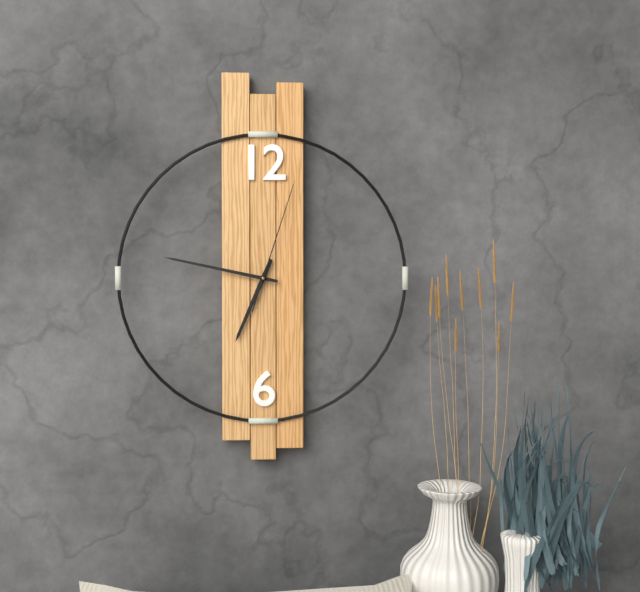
6,47,03
